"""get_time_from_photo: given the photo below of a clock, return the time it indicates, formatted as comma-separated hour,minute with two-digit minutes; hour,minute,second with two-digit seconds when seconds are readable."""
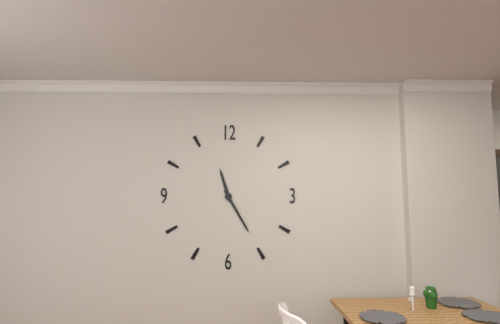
11,25
